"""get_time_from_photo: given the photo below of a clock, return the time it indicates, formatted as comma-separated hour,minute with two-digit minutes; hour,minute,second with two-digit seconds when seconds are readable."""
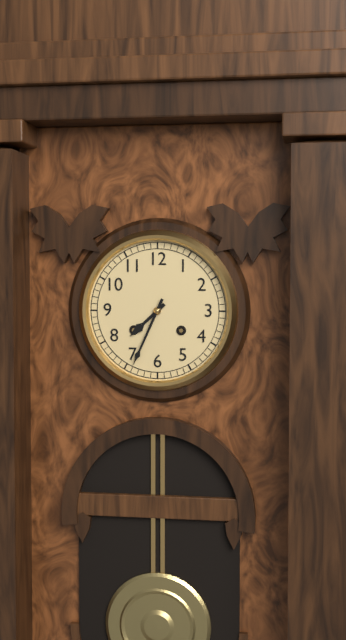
7,34
